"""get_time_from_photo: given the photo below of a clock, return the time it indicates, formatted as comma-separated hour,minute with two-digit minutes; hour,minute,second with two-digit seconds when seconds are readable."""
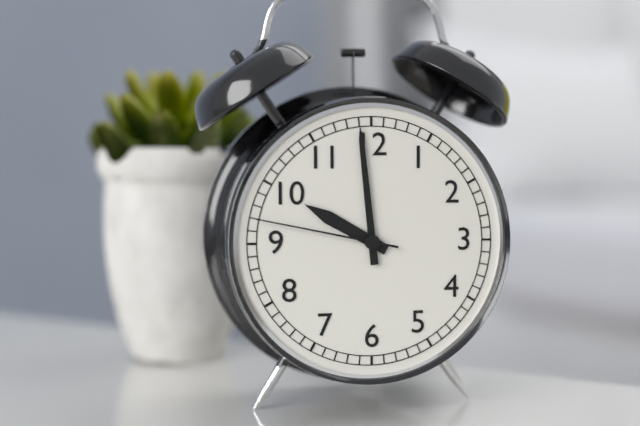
9,59,47
